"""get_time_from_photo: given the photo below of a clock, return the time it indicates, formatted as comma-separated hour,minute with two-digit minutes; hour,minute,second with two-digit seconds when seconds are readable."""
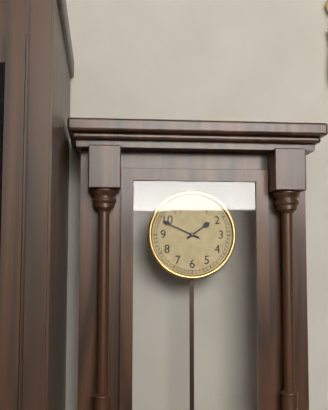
1,49
